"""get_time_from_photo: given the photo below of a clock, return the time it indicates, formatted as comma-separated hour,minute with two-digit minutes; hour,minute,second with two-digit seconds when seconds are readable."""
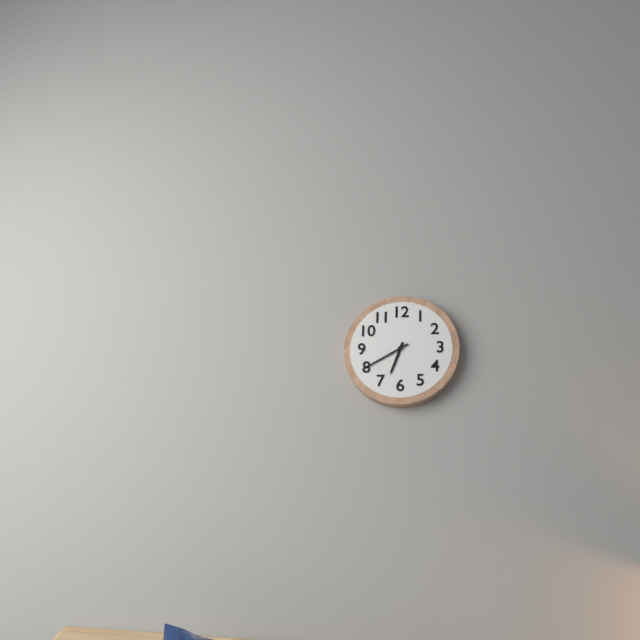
6,40
